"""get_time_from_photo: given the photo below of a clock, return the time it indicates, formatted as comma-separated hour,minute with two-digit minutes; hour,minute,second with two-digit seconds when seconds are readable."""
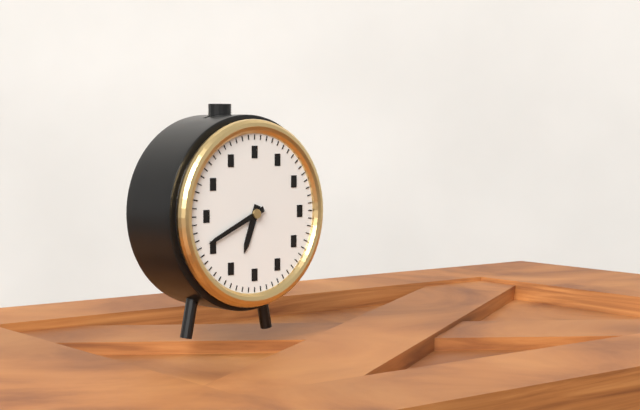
6,41
